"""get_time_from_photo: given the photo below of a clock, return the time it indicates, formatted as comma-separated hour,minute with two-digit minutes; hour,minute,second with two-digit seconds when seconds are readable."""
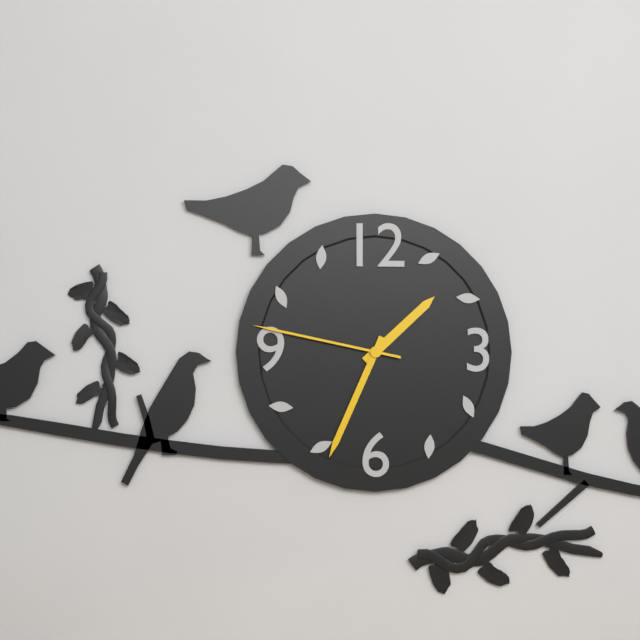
1,34,47
